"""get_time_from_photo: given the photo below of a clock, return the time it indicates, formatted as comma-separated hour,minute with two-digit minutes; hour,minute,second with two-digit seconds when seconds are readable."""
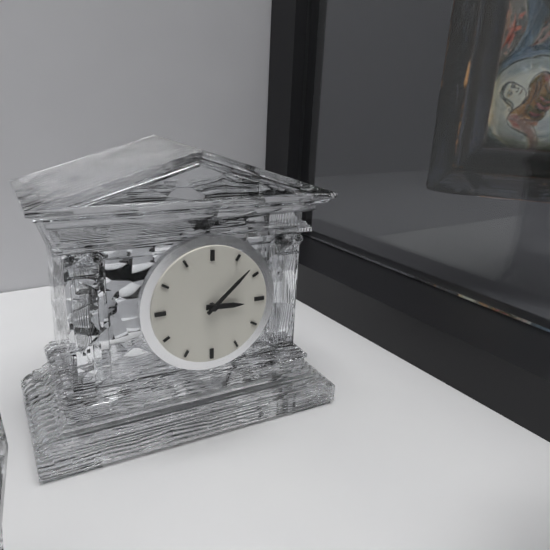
3,08
